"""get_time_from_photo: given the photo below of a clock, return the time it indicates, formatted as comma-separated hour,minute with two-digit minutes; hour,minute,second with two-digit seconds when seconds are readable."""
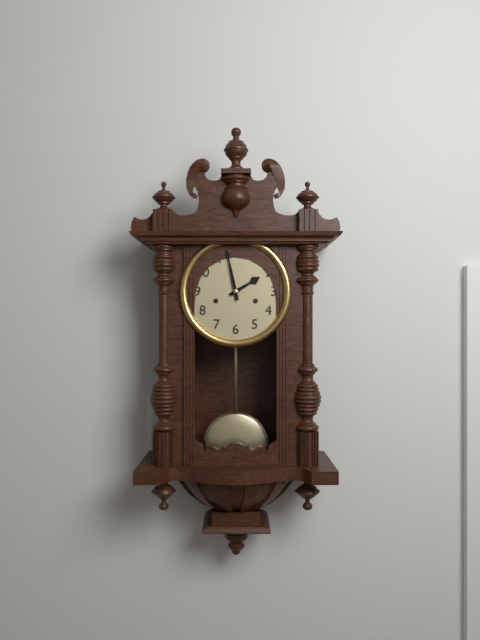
1,58
